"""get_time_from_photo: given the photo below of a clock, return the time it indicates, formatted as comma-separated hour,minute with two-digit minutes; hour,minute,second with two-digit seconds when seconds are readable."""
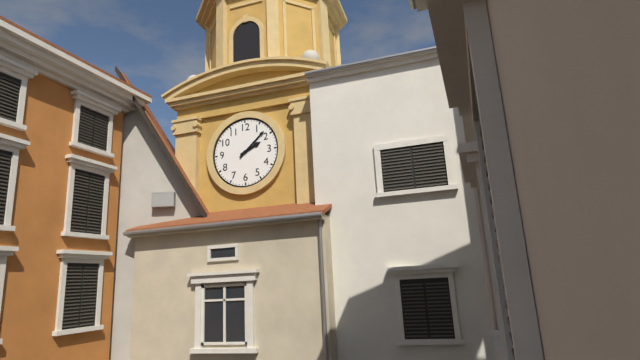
2,08
